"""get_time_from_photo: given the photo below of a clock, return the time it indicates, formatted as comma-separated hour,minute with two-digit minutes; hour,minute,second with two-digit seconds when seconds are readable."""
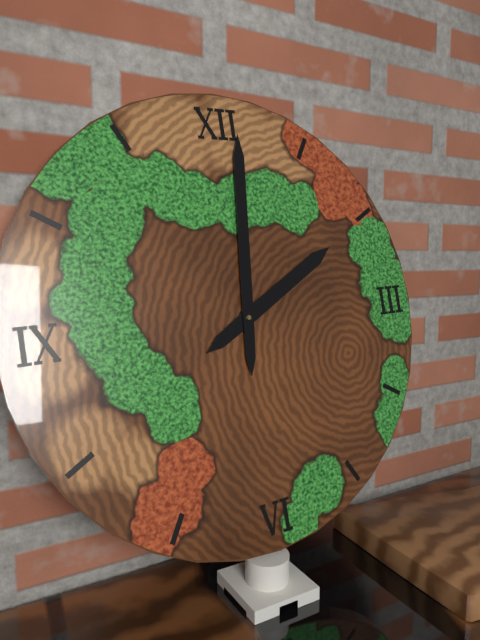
2,01
